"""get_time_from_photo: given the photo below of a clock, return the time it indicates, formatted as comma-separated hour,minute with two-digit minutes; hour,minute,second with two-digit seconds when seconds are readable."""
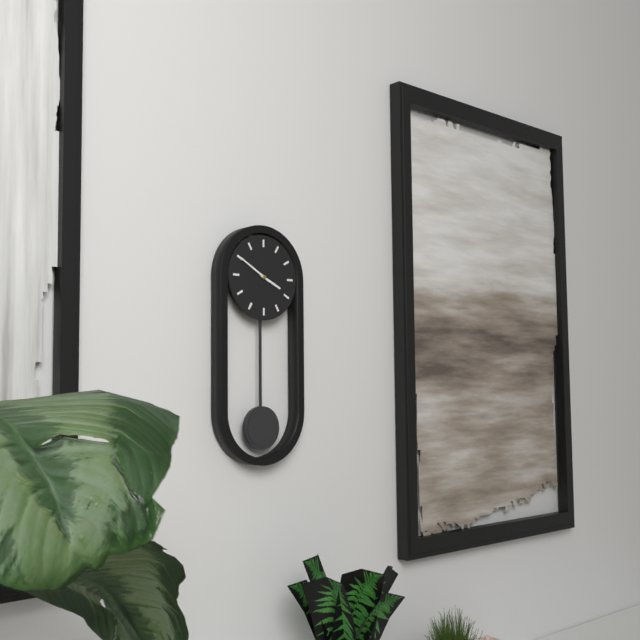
3,50
